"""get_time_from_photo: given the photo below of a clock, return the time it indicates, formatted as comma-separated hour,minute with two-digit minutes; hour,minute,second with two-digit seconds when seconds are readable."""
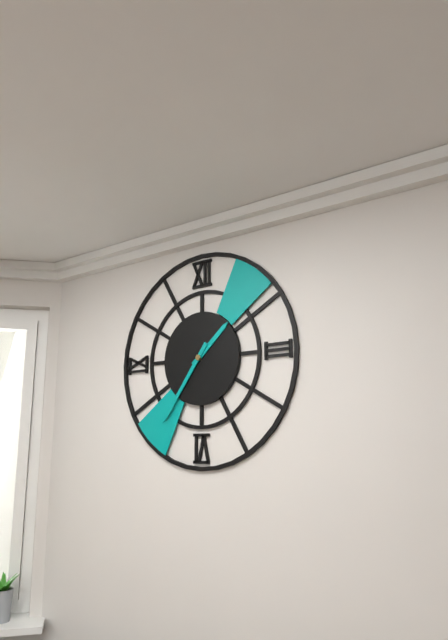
1,36
